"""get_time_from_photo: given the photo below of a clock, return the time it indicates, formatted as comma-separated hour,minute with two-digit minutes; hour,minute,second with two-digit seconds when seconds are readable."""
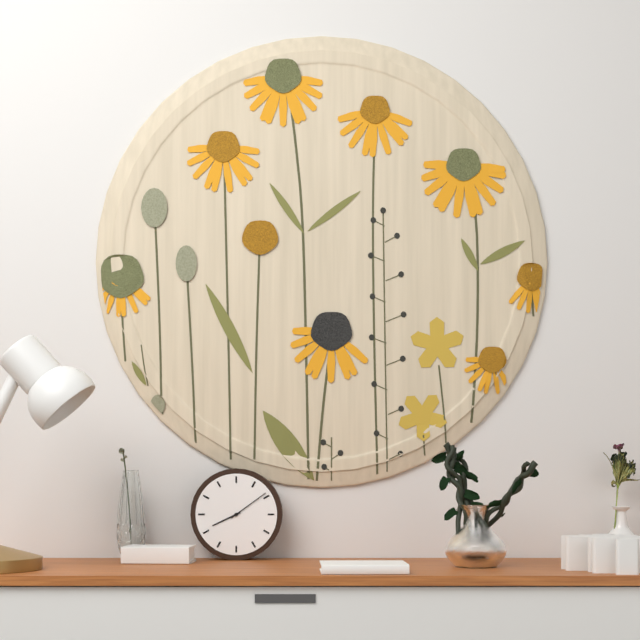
8,09
